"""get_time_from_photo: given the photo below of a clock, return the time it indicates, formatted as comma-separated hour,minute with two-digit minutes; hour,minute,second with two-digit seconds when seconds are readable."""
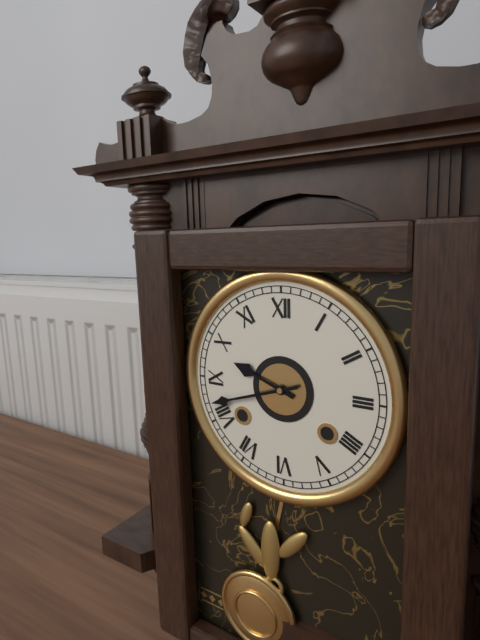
9,42
